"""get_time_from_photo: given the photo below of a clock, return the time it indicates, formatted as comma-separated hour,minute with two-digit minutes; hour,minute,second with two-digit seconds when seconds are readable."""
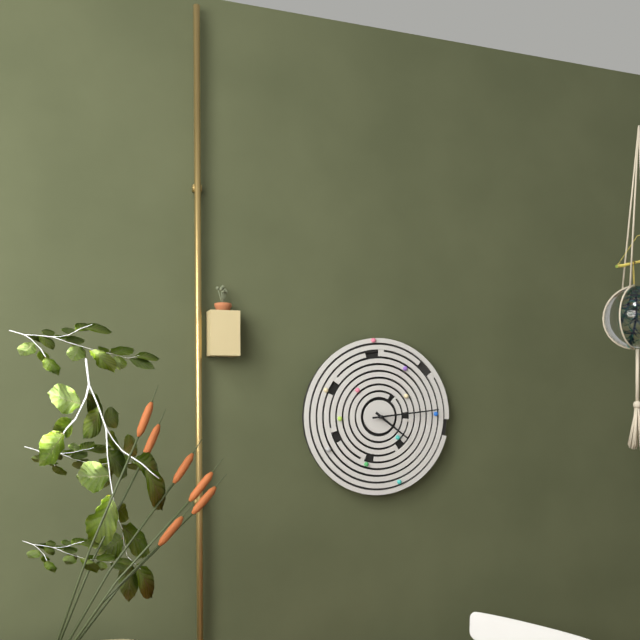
4,14
